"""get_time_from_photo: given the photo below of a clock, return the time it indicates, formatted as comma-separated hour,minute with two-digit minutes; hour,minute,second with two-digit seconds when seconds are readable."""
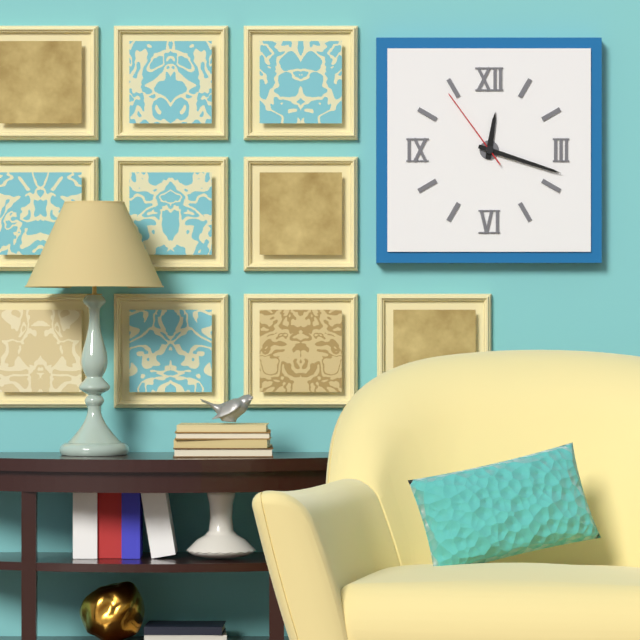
12,18,54
